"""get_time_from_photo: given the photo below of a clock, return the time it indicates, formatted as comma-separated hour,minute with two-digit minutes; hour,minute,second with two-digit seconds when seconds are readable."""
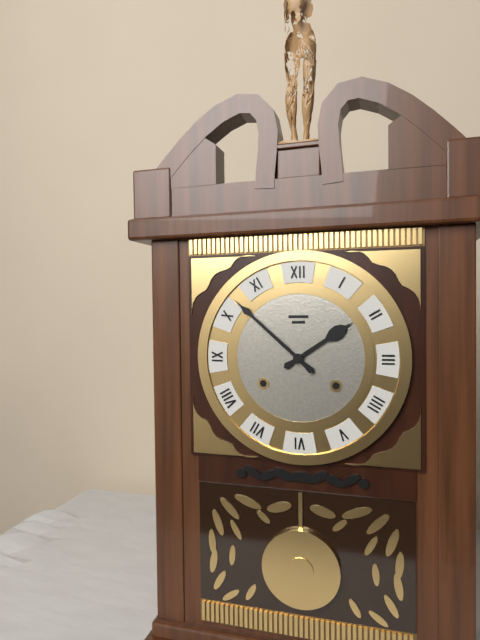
1,52
